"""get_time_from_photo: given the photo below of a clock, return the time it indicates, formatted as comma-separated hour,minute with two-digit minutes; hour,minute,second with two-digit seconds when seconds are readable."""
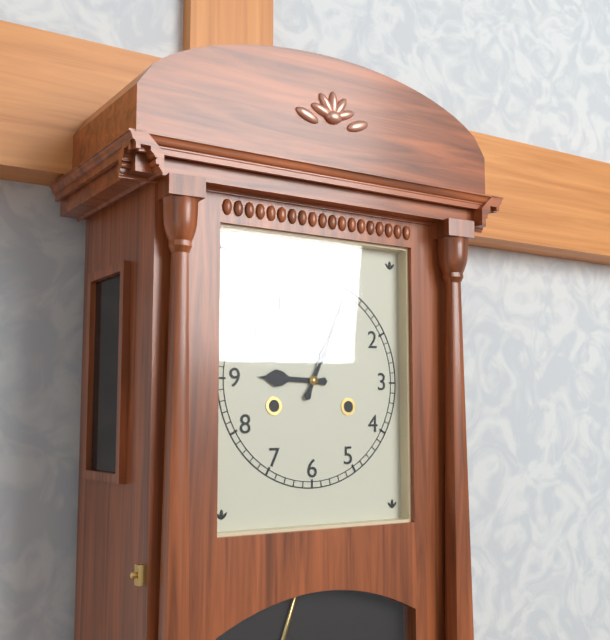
9,04
